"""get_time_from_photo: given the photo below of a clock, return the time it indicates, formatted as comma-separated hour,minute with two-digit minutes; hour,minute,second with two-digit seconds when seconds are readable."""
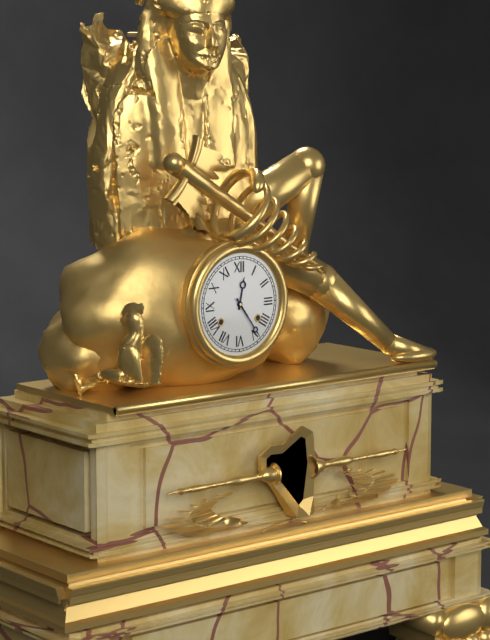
12,24
